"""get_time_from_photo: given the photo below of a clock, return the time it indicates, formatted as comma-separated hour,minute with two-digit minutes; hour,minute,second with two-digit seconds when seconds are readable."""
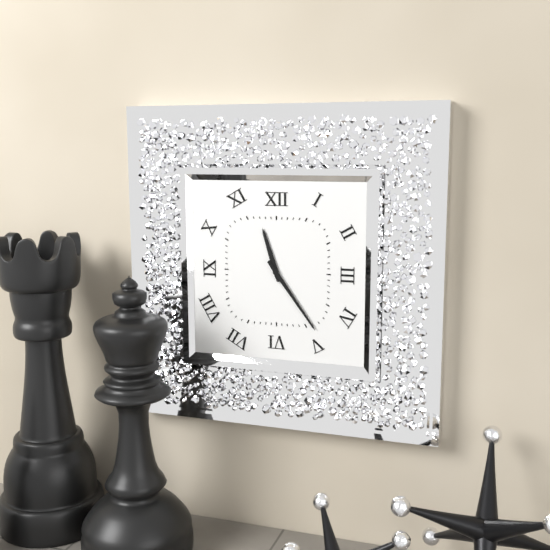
11,24
